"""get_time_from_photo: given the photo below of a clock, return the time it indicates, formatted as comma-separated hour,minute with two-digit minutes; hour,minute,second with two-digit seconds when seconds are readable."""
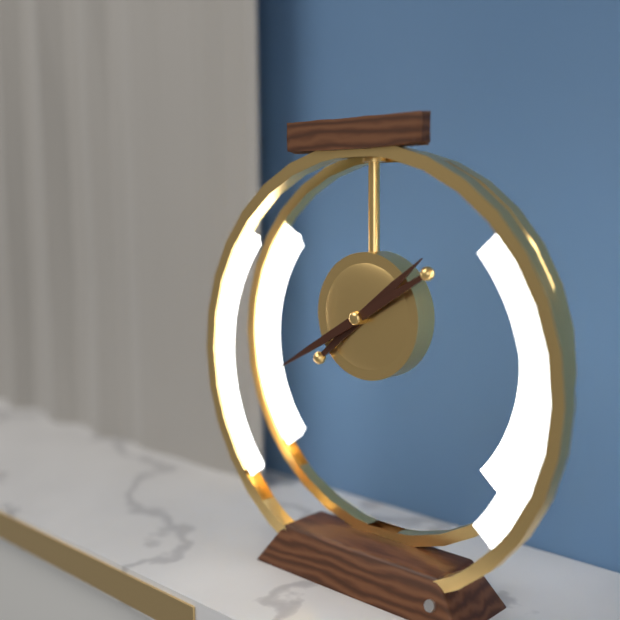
1,40
